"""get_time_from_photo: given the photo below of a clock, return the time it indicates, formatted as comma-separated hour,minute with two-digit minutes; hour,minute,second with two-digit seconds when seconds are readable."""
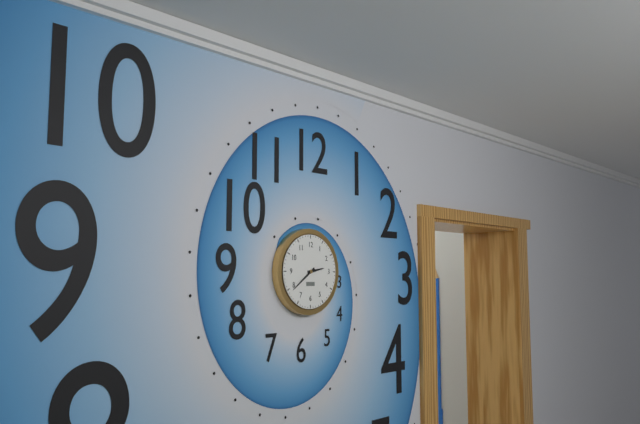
2,39
